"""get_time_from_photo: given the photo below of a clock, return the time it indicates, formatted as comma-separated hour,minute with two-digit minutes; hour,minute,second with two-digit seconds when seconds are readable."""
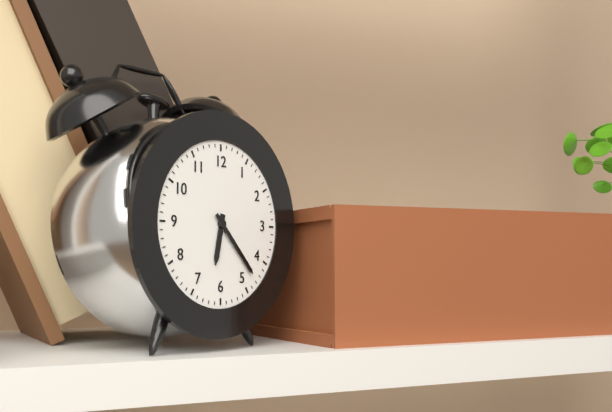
6,23
